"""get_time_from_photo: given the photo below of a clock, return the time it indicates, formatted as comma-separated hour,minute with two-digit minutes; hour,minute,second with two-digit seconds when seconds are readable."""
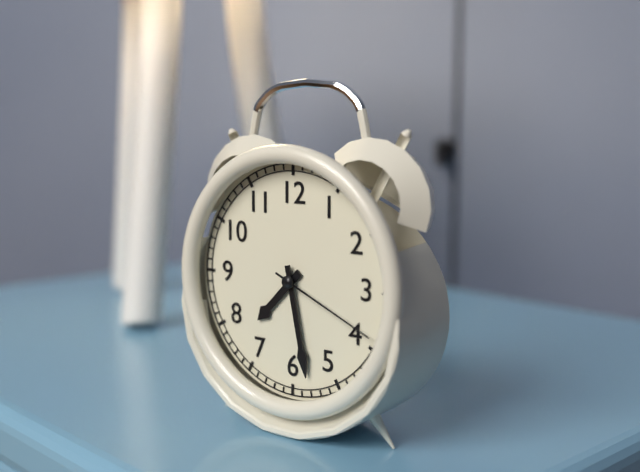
7,28,19
